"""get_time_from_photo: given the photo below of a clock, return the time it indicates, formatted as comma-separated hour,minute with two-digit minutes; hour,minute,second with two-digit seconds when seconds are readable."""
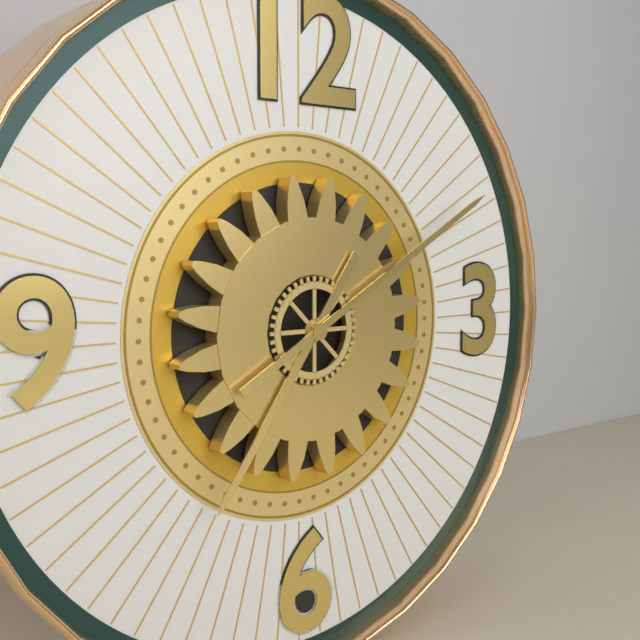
7,10
